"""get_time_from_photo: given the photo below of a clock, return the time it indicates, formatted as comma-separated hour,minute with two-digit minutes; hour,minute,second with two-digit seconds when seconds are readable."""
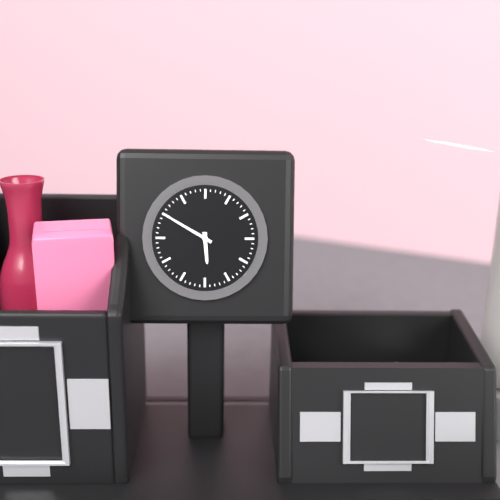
5,50
